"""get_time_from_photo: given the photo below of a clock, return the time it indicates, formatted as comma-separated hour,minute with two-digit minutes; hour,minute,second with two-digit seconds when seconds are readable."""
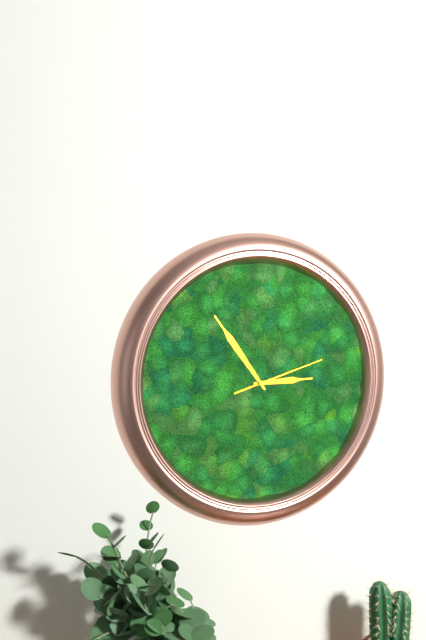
2,54,12
